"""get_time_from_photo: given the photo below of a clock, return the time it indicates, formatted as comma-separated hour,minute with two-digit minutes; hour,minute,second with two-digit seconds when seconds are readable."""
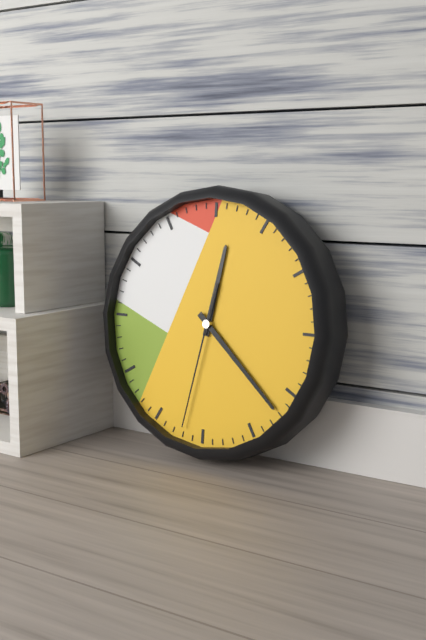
12,22,32
